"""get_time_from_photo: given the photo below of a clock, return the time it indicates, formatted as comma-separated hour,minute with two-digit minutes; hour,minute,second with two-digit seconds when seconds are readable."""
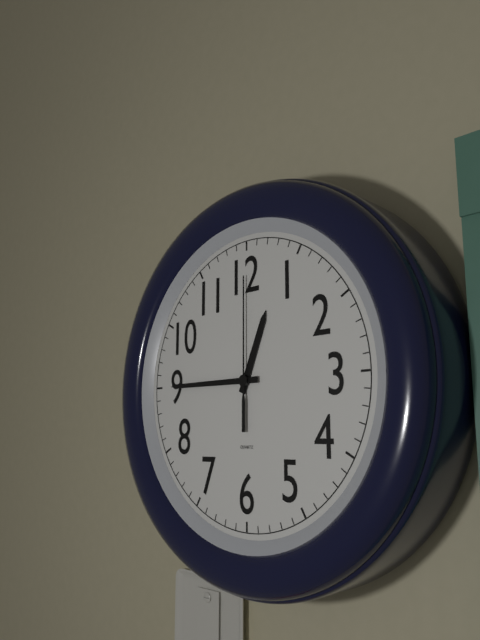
12,45,00
